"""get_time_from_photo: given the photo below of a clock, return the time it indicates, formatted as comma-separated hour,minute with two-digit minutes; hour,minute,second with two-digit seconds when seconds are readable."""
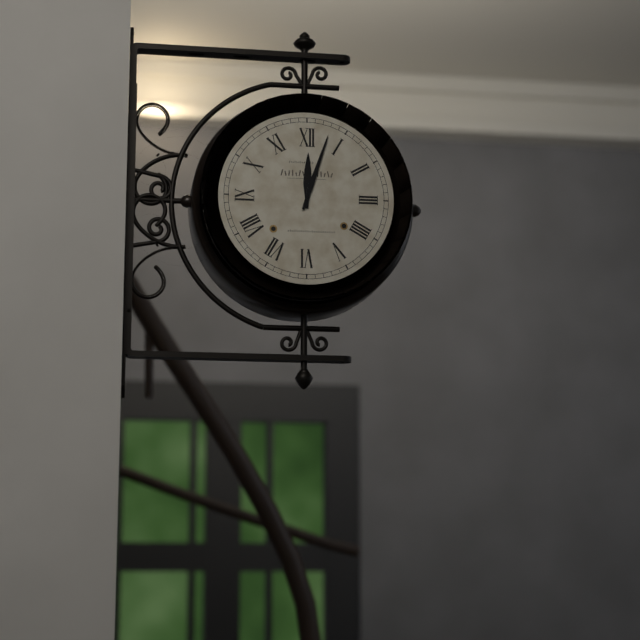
12,03
